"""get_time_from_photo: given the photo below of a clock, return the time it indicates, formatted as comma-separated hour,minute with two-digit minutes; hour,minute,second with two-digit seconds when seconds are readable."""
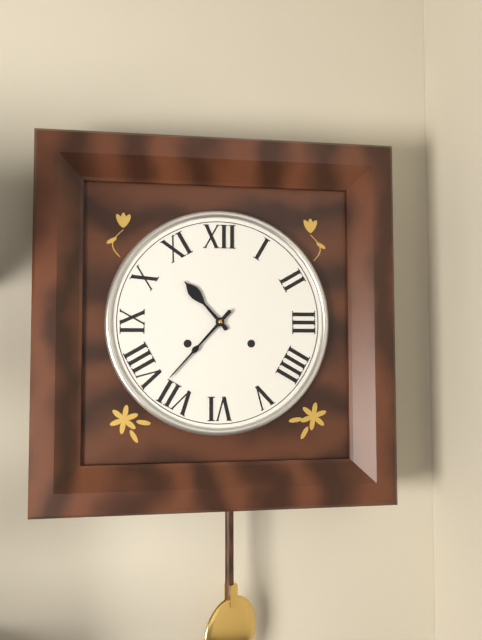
10,37
